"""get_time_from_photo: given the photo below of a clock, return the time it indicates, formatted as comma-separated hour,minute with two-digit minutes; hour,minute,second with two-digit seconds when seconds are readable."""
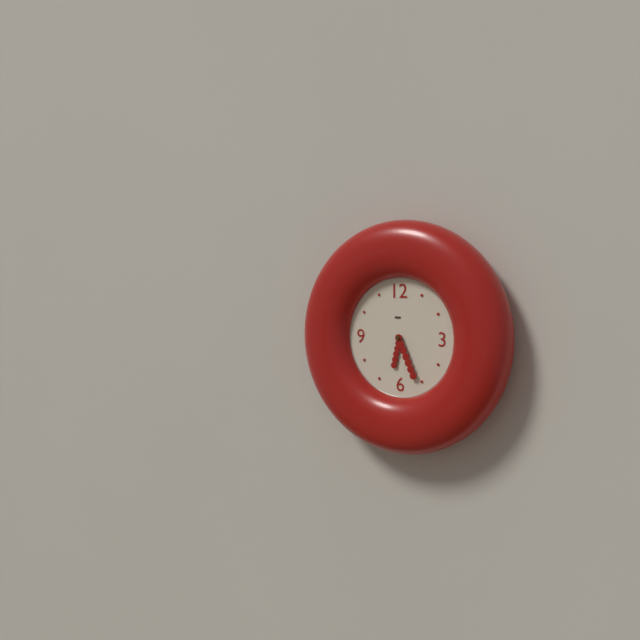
6,26
